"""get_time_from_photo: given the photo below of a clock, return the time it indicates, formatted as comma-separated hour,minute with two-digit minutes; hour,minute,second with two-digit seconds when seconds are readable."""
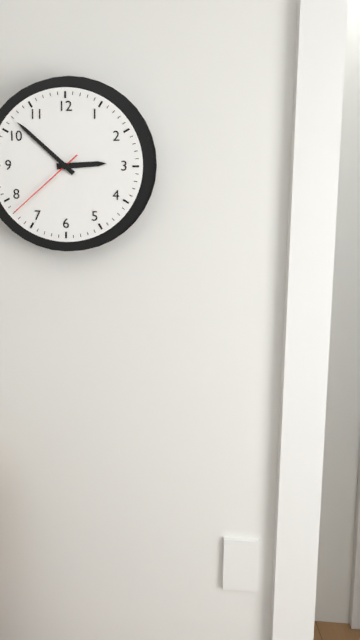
2,52,38
